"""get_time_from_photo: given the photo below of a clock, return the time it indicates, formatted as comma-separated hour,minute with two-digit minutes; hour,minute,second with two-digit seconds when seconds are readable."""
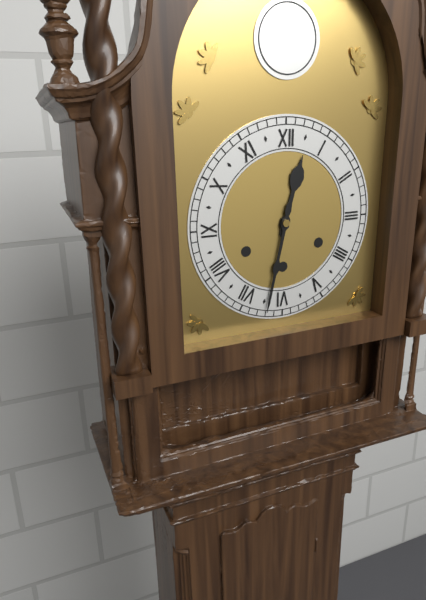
12,32
